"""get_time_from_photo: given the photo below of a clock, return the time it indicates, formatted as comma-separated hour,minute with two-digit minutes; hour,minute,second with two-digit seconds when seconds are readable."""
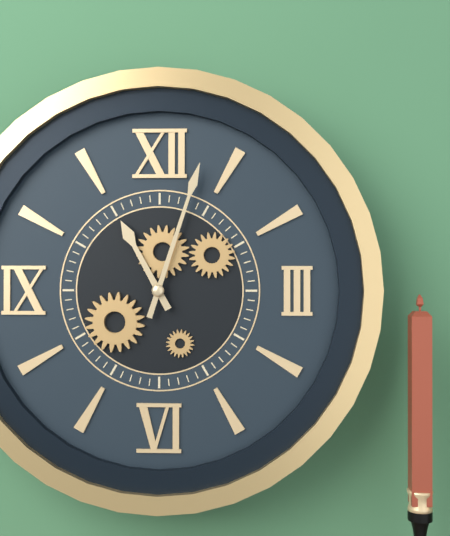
11,03
